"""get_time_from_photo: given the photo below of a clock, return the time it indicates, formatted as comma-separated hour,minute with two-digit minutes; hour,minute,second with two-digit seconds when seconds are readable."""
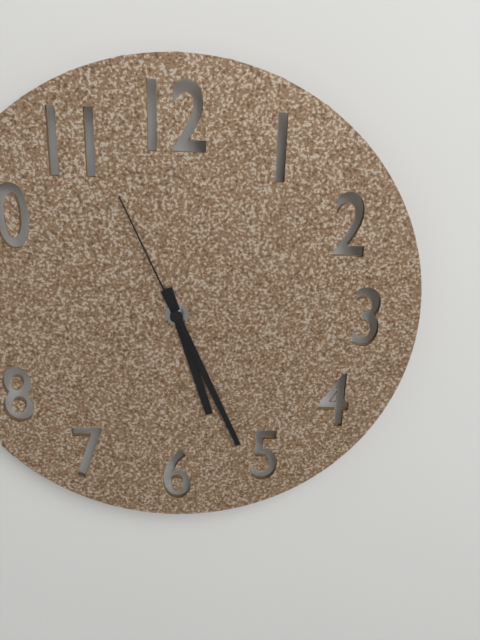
5,26,56
